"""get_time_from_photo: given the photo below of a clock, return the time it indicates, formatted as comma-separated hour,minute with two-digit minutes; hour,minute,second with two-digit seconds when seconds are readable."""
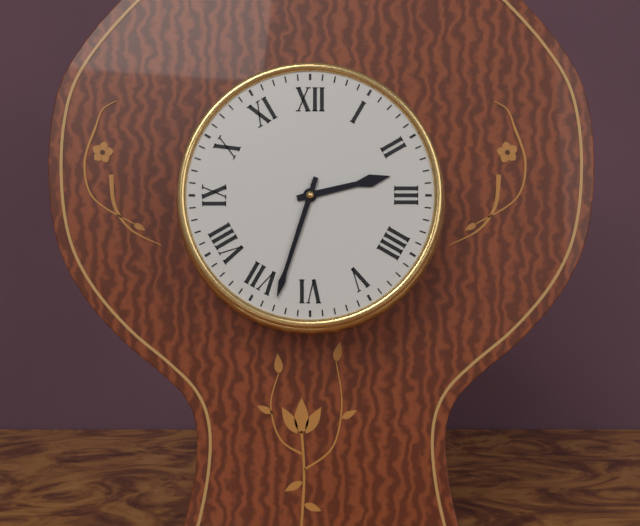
2,33
